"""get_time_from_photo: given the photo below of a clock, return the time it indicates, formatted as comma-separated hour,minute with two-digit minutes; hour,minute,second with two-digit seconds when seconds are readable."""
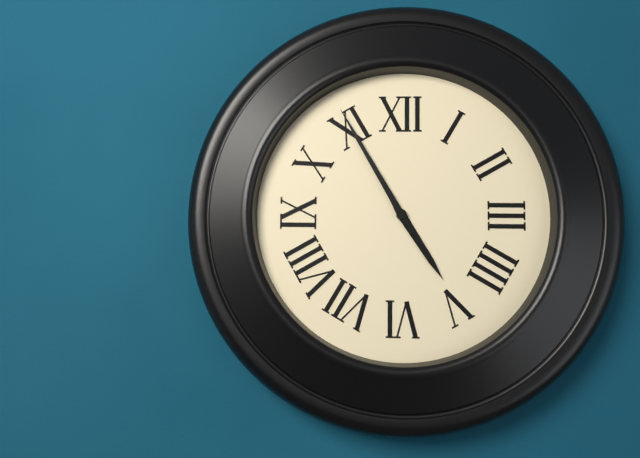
4,55
